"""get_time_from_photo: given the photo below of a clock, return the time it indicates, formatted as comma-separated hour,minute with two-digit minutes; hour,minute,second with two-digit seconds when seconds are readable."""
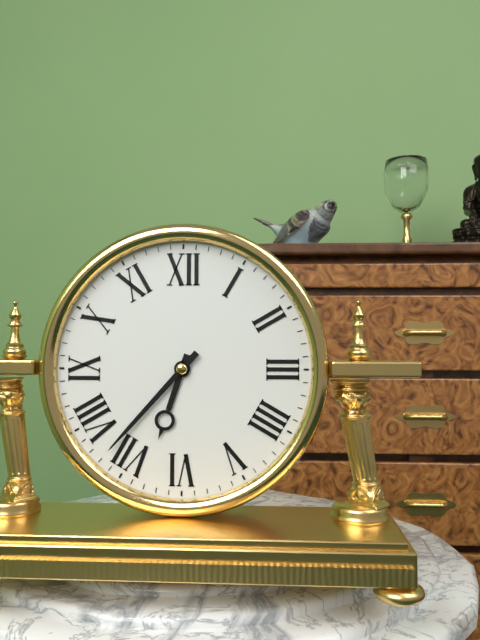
6,37
